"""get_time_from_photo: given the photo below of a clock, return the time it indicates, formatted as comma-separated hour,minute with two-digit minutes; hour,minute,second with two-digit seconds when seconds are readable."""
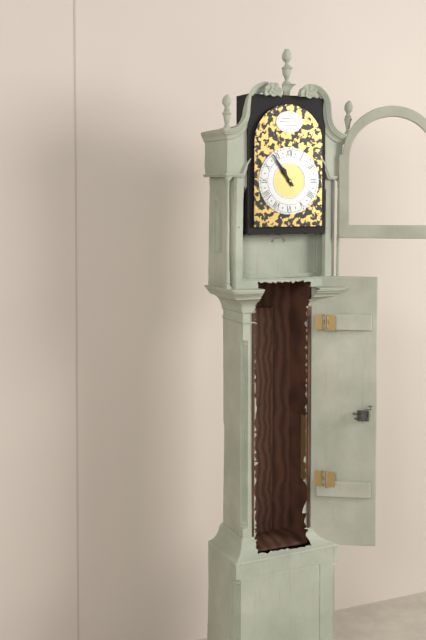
10,54
